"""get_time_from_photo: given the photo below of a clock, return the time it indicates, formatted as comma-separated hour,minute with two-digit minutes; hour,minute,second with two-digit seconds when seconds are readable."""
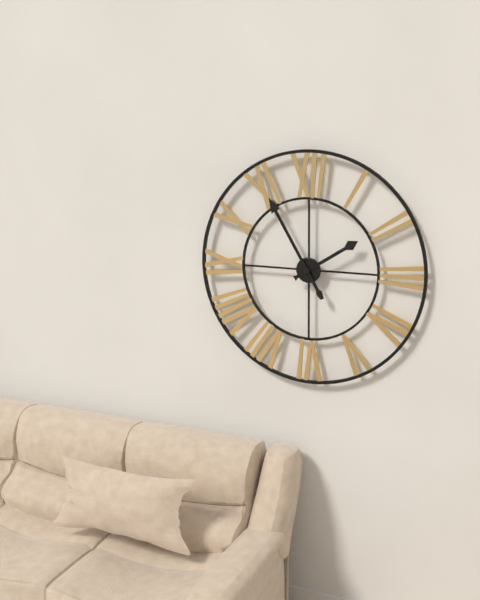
1,55
